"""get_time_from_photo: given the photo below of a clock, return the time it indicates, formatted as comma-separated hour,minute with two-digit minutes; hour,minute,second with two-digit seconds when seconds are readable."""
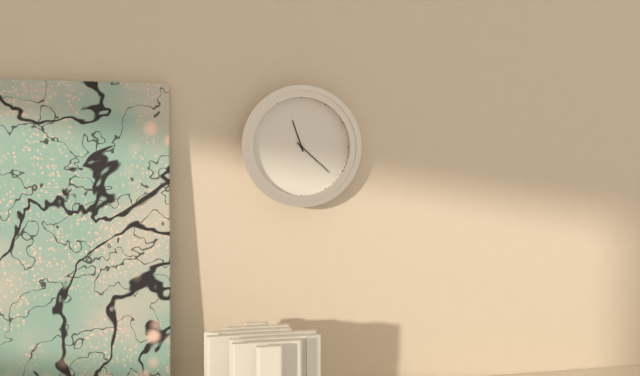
11,22
